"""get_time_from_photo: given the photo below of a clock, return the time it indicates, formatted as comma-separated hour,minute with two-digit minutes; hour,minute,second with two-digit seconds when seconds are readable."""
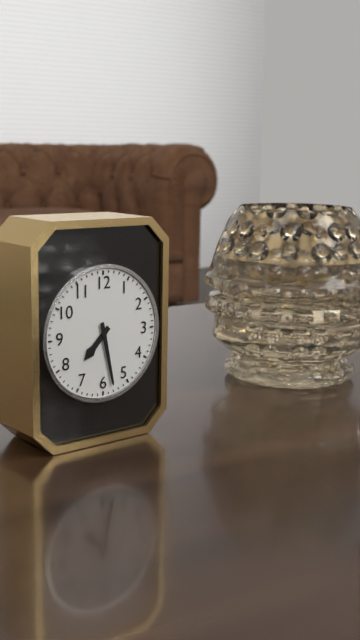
7,28
